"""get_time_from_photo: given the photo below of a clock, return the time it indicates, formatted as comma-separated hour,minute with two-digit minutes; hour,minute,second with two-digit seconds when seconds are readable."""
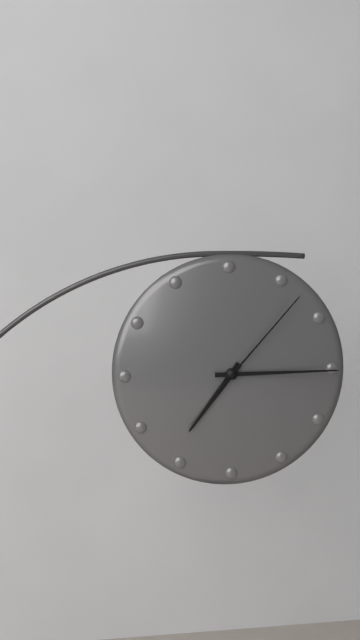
7,15,07
